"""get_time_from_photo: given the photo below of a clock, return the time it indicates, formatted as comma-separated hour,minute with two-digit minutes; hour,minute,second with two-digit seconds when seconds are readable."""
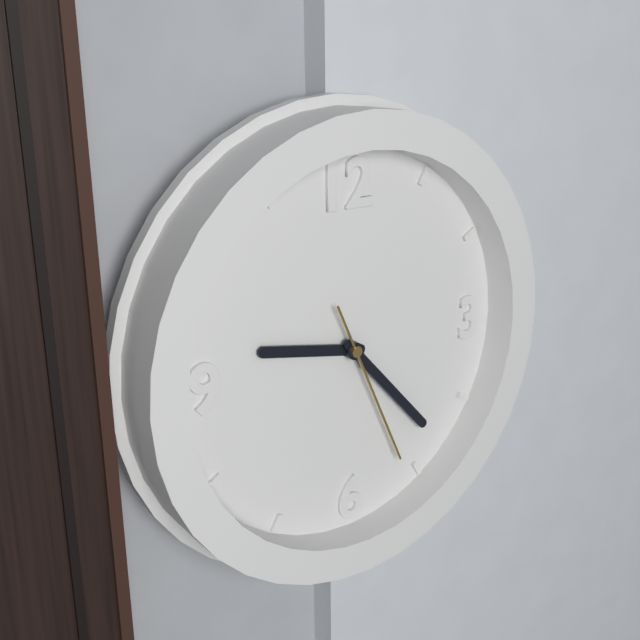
9,23,26
